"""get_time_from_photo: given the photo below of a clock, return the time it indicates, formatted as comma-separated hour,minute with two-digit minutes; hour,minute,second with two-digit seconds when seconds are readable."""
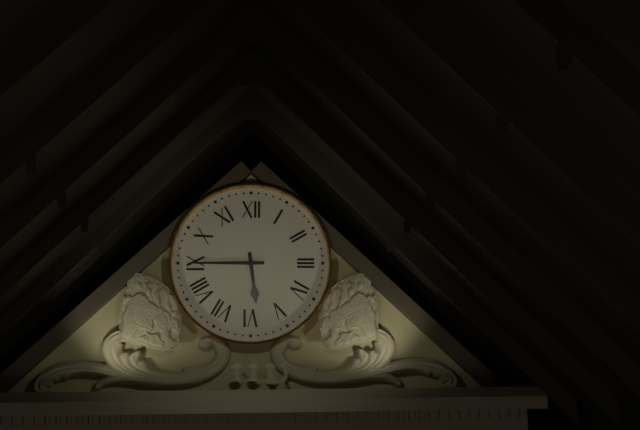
5,45
